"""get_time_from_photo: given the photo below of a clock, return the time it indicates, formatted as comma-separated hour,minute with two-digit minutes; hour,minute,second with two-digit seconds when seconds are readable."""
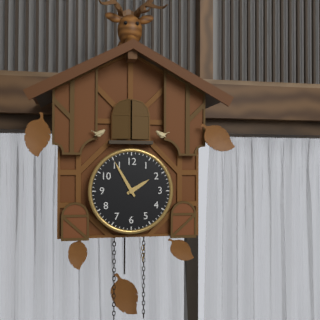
1,55
